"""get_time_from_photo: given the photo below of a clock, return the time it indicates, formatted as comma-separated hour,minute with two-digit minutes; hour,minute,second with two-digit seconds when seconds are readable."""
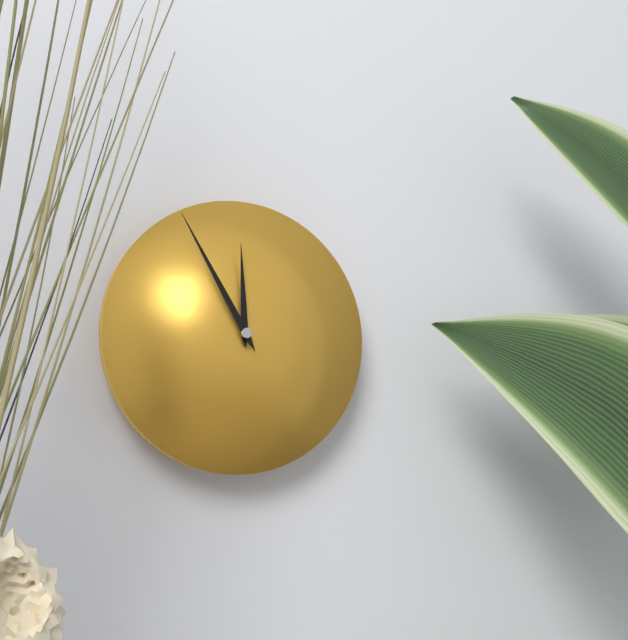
11,55
